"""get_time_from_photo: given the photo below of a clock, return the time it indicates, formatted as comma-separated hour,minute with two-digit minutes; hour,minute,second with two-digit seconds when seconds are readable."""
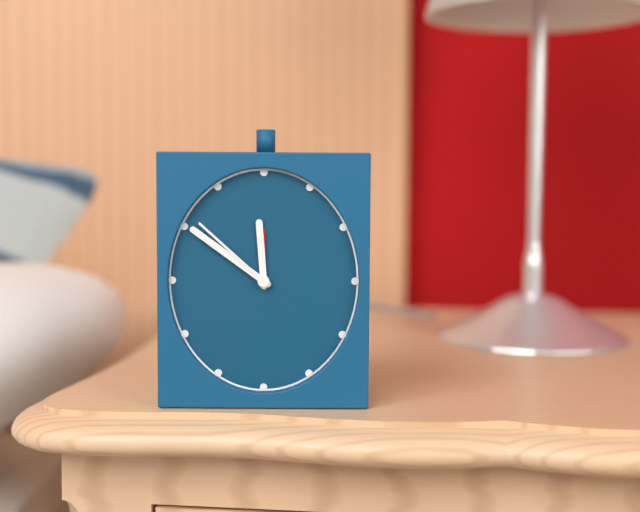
11,51,52
